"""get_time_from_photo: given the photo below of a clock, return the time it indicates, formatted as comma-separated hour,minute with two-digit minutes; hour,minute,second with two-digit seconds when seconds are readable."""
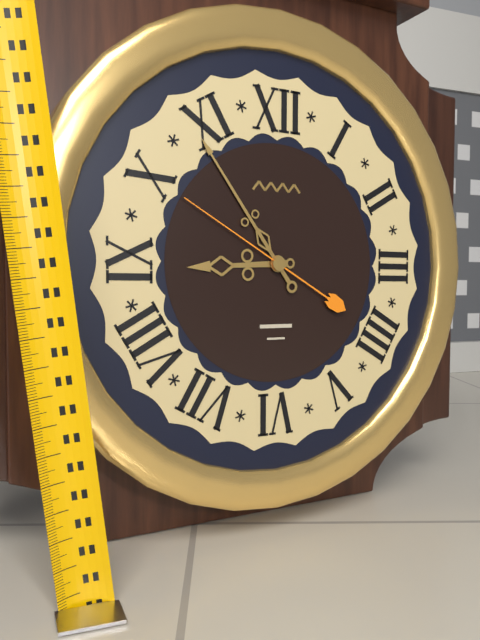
8,54,50
